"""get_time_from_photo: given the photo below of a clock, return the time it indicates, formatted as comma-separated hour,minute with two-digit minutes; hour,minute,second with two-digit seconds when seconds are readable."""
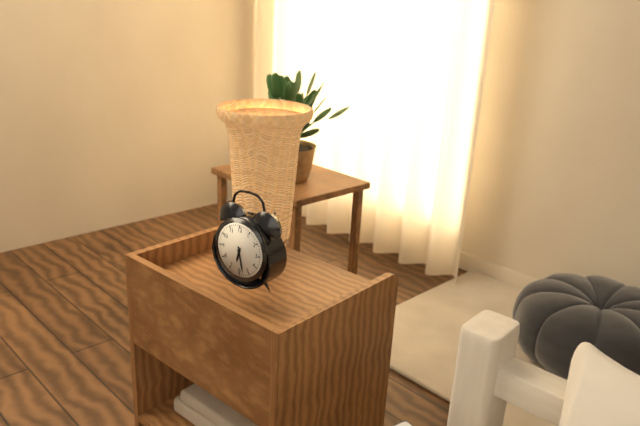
6,28
